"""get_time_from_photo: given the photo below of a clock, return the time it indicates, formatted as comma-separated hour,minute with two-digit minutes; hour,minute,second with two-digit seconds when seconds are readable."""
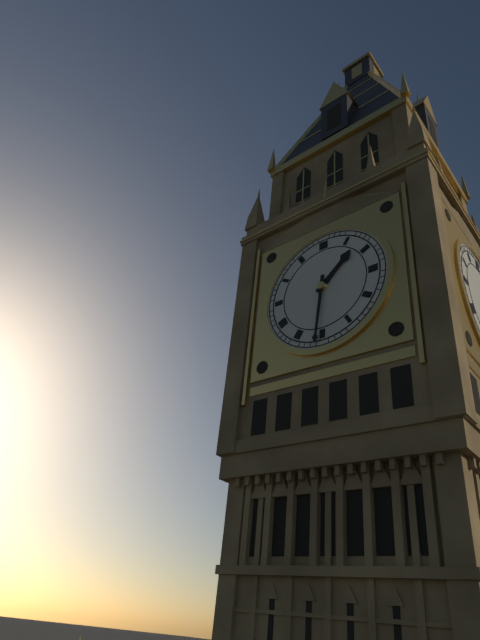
1,31
